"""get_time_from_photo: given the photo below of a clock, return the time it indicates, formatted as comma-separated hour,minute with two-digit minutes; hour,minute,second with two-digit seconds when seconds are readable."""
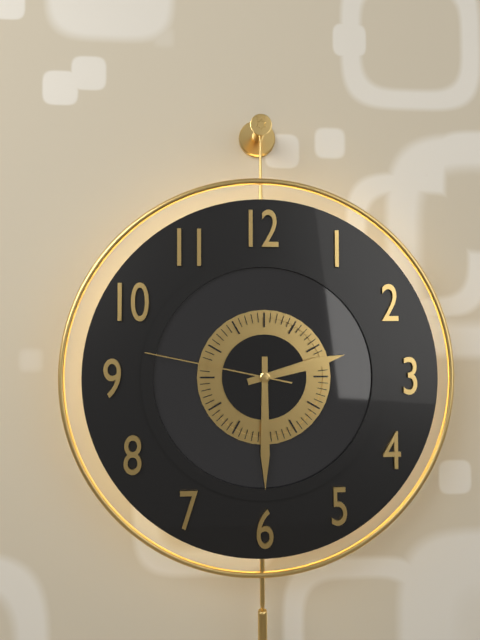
2,30,47
